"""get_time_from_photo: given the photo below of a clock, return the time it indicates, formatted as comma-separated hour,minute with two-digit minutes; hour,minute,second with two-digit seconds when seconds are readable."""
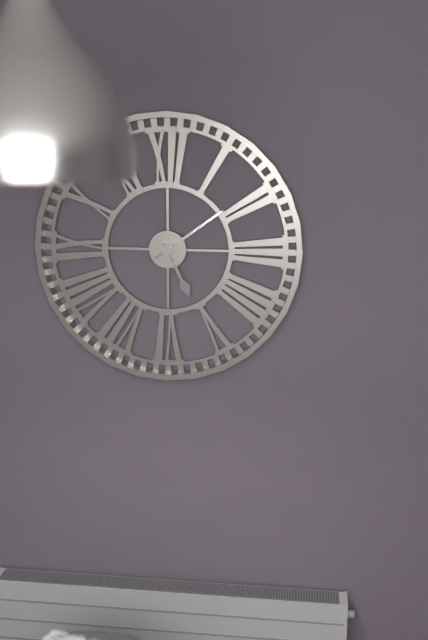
5,09
